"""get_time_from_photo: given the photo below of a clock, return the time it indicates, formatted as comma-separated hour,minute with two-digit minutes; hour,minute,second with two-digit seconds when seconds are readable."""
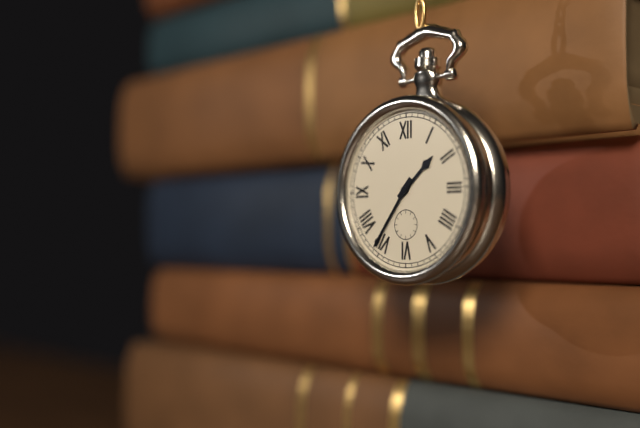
1,36
